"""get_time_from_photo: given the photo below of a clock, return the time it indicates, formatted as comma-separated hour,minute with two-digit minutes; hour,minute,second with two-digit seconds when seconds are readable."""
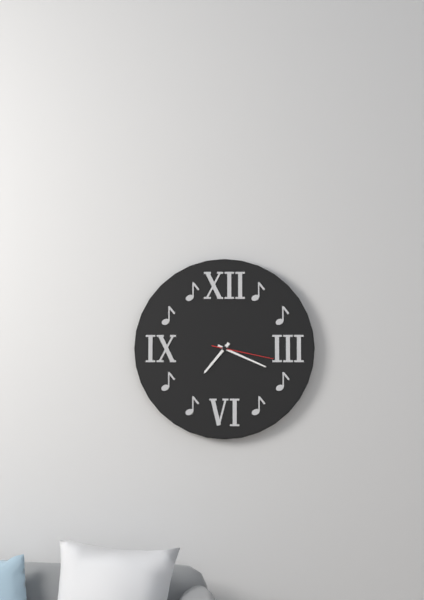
7,19,17
